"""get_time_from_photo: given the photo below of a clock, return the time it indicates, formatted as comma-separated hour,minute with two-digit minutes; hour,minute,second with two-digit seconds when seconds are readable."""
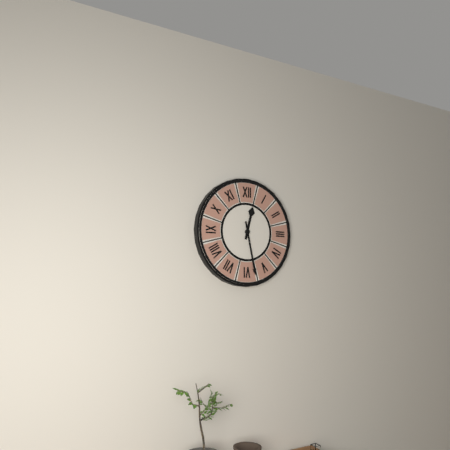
12,28
